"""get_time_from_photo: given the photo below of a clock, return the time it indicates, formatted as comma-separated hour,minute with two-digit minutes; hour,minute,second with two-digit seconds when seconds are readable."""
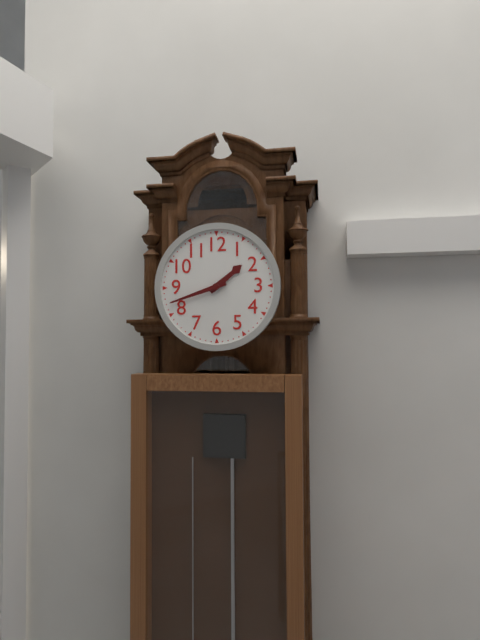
1,42
